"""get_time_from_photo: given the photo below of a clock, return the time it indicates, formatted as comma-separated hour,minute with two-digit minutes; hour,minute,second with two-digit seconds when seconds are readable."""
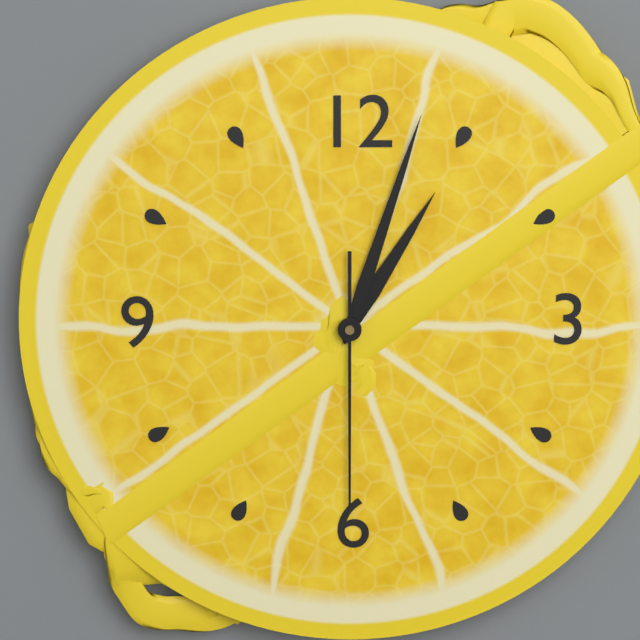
1,03,30
